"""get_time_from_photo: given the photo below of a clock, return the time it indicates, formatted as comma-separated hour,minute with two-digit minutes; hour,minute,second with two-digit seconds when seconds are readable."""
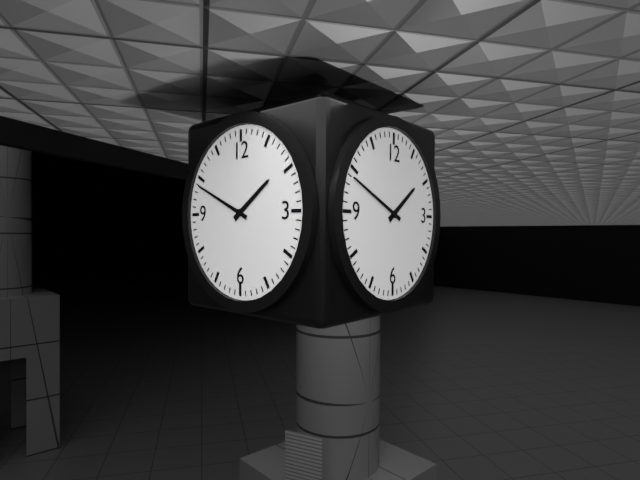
1,49
